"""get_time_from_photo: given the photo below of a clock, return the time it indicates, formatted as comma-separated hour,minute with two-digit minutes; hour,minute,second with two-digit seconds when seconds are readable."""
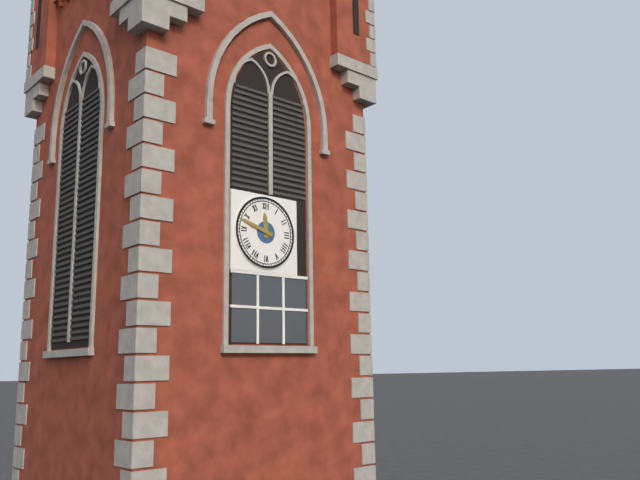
11,48
